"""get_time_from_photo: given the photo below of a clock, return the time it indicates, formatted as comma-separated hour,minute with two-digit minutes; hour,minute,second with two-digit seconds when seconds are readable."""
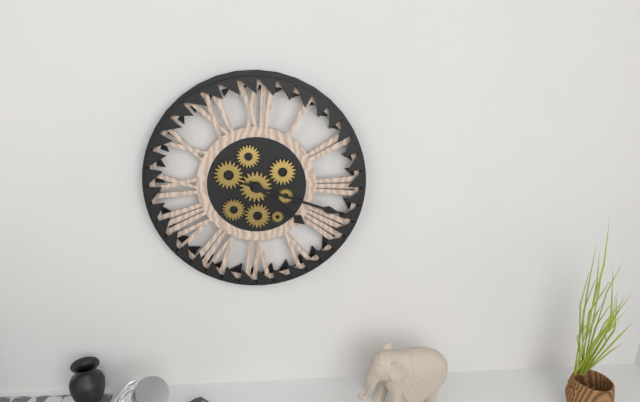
4,18
